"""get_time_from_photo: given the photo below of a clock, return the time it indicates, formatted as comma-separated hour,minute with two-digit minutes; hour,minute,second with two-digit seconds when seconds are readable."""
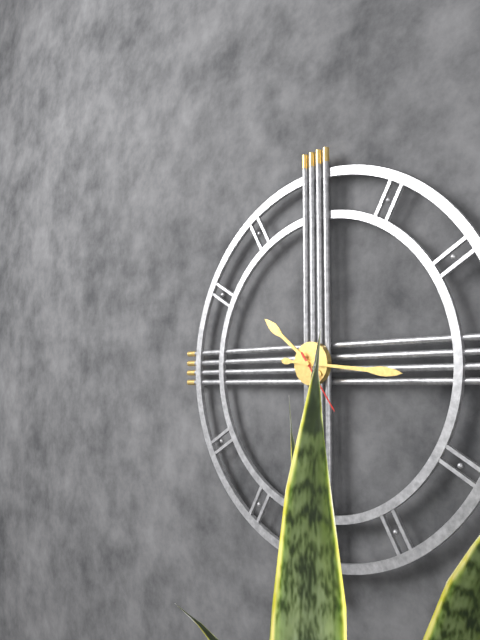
10,16,24
